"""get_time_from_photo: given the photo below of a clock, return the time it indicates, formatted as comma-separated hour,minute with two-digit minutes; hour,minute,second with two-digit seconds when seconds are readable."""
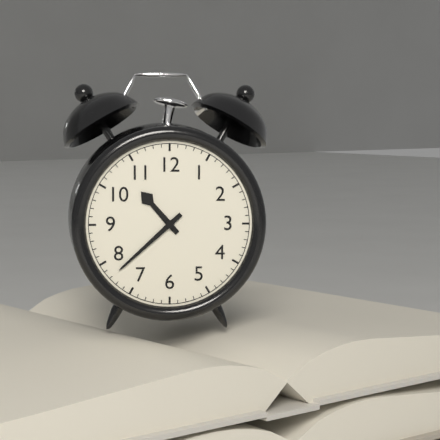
10,38
